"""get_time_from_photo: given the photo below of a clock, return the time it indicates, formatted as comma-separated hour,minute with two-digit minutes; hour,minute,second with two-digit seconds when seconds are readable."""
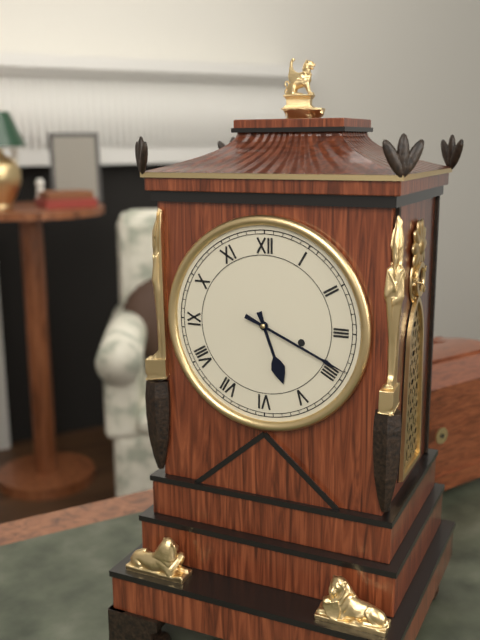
5,19
